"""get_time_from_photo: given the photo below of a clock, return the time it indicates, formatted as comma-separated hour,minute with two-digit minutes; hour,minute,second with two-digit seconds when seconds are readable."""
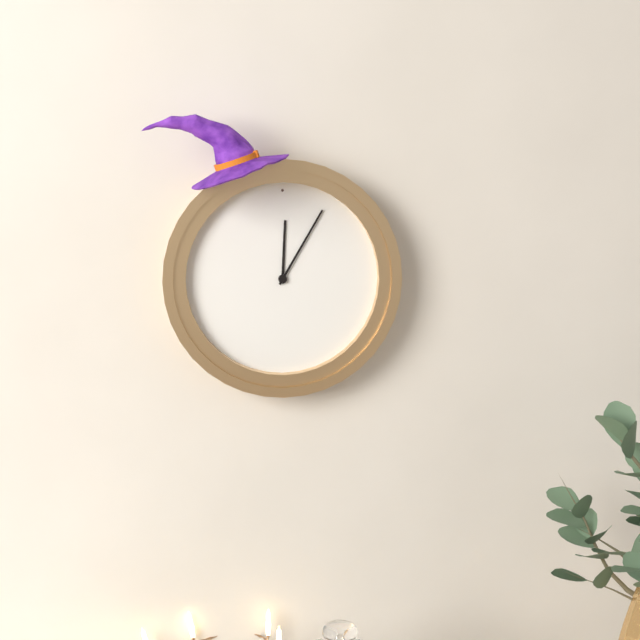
12,05
